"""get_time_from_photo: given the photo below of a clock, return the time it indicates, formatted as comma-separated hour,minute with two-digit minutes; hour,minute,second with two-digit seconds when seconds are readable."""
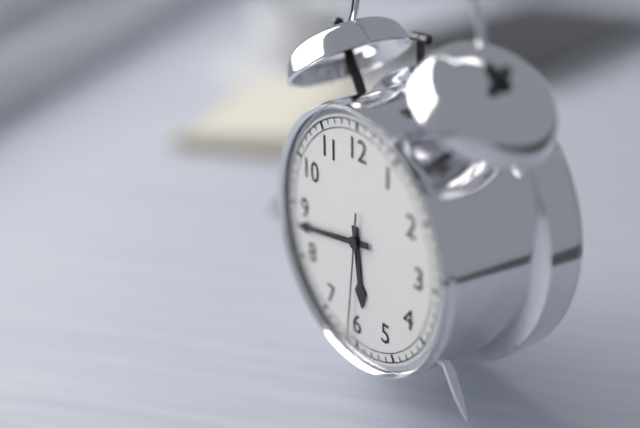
5,43,31
